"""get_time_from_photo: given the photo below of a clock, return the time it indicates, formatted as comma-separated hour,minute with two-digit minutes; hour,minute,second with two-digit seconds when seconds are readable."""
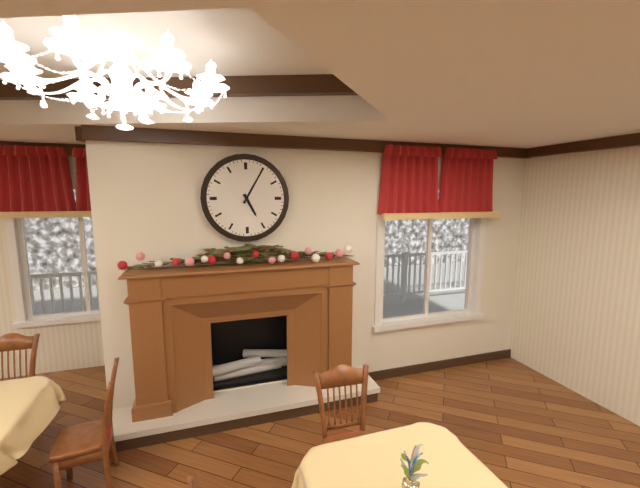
5,05
